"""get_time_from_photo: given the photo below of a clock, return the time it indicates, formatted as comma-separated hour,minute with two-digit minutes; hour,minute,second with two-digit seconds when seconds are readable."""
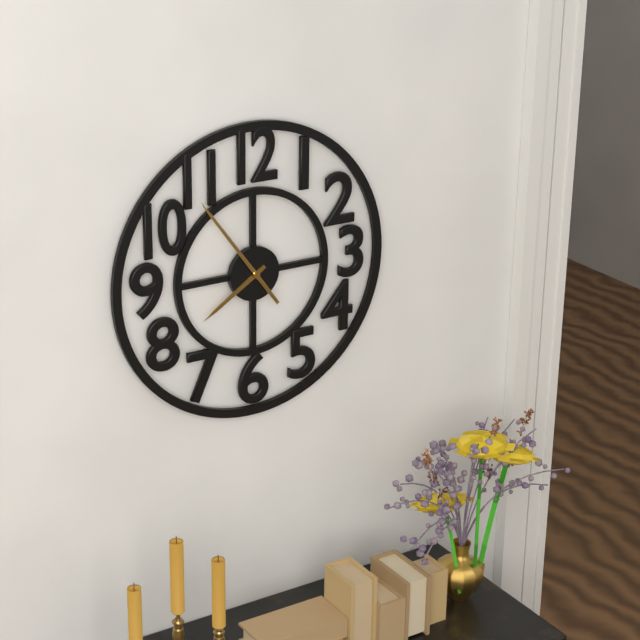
7,54
